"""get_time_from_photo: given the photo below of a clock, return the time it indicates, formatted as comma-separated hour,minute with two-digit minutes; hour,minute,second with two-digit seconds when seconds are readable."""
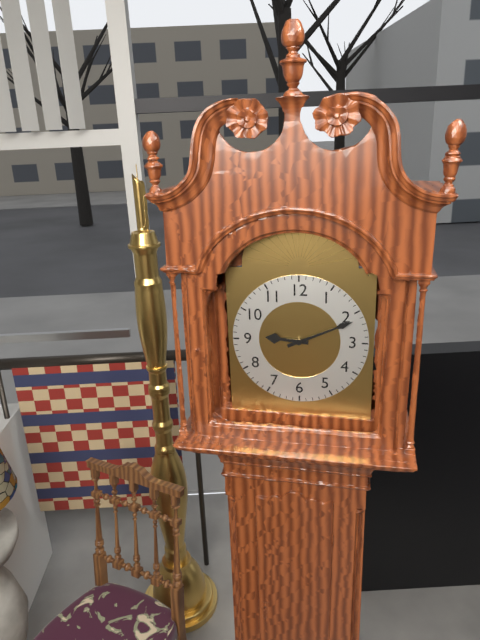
9,11
